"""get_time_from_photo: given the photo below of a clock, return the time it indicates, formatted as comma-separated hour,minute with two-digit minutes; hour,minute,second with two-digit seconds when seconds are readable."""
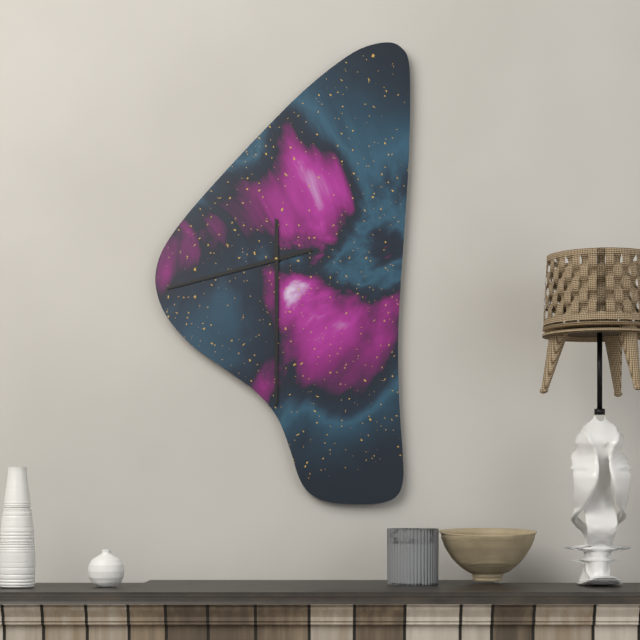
8,30
